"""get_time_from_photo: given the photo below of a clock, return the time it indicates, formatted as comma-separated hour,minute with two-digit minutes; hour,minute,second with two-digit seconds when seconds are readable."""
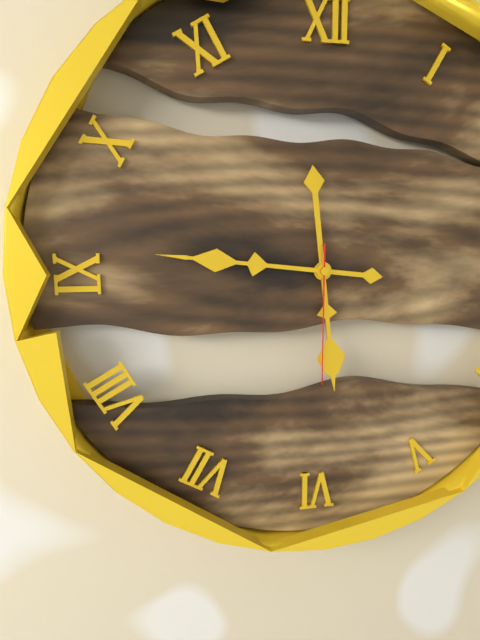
5,46,30
